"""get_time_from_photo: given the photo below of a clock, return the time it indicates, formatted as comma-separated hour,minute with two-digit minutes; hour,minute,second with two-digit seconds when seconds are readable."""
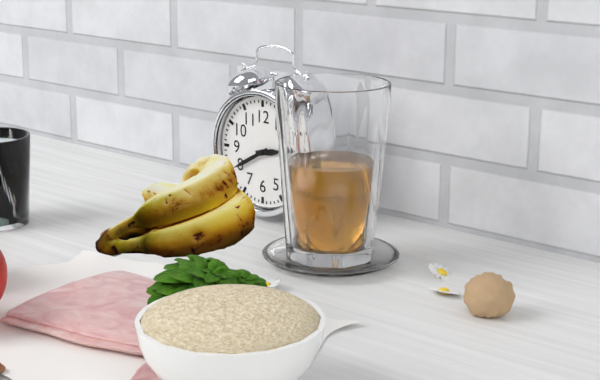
2,40
